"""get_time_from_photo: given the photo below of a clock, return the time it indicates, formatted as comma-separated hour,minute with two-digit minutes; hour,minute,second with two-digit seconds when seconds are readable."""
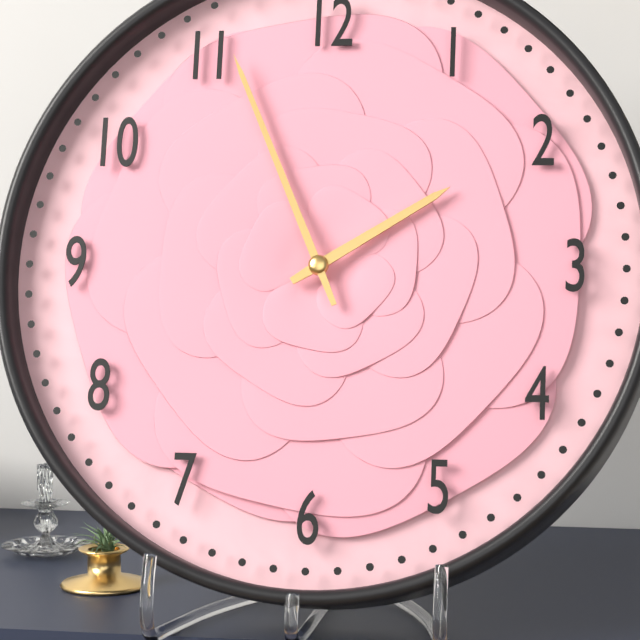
1,56
